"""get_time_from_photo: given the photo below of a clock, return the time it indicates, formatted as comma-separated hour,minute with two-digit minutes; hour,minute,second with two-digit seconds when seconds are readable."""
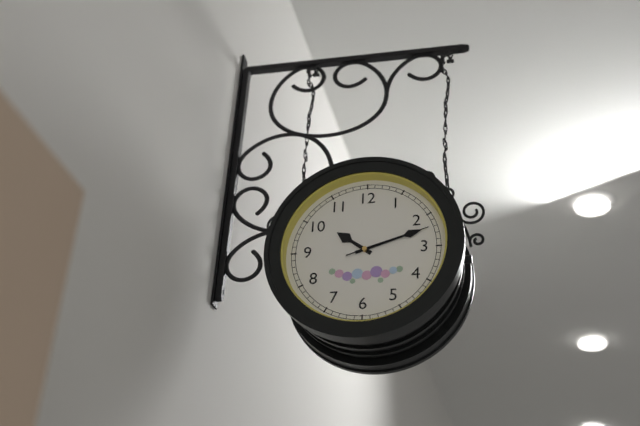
10,12,12
